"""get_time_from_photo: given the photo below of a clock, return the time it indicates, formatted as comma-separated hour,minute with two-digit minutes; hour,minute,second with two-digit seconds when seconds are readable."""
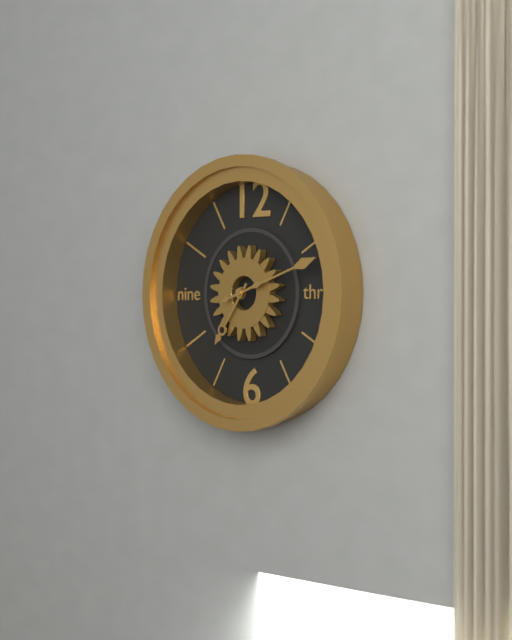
7,12
